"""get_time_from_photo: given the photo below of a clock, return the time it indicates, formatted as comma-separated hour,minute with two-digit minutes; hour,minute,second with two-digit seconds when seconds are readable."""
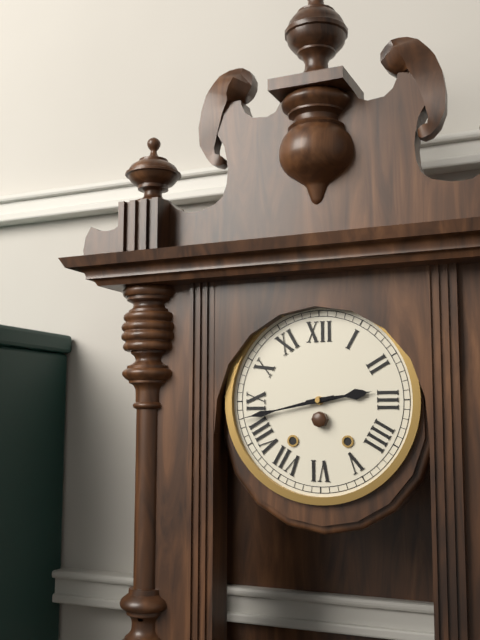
2,43
